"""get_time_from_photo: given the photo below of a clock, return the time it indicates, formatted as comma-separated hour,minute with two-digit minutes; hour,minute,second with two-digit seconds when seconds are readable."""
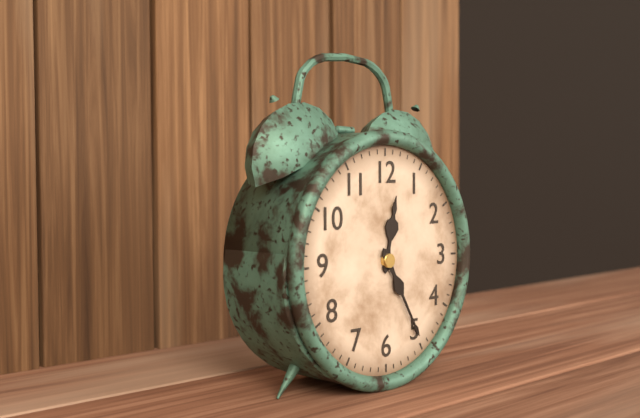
12,25
